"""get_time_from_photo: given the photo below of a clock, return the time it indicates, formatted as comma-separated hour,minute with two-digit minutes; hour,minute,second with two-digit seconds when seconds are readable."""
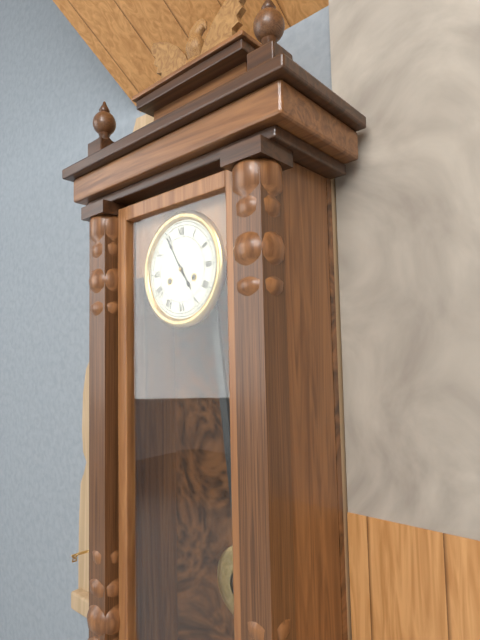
4,55
